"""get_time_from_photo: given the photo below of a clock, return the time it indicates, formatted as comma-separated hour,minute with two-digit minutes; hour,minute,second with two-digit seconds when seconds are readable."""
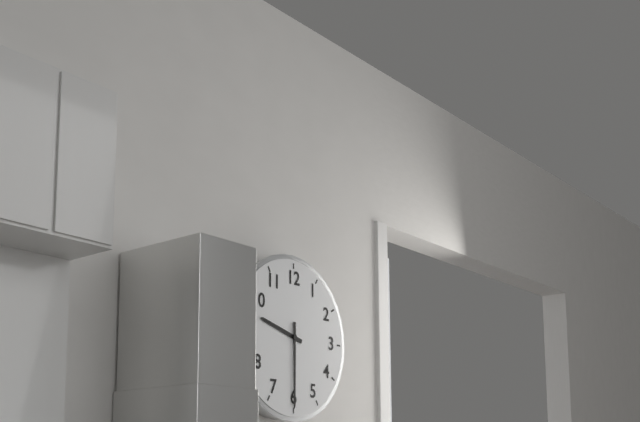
9,30
